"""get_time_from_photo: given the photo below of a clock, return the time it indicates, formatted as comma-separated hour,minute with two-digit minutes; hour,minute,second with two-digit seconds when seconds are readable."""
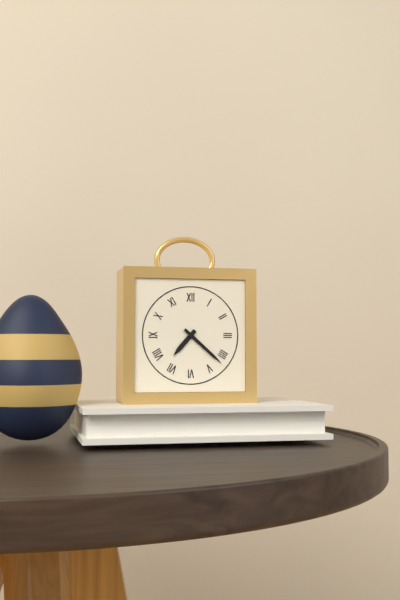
7,22
